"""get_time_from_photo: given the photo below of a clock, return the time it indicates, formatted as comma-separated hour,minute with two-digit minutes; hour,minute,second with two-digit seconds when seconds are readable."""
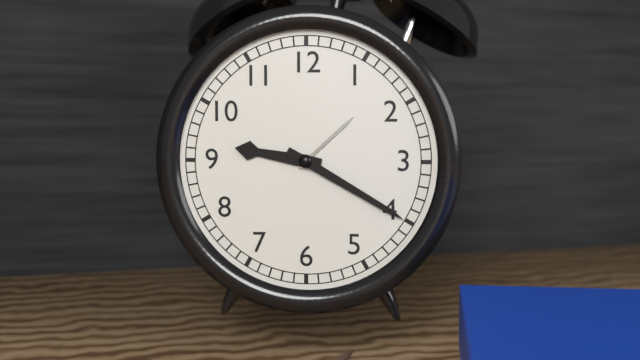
9,20
